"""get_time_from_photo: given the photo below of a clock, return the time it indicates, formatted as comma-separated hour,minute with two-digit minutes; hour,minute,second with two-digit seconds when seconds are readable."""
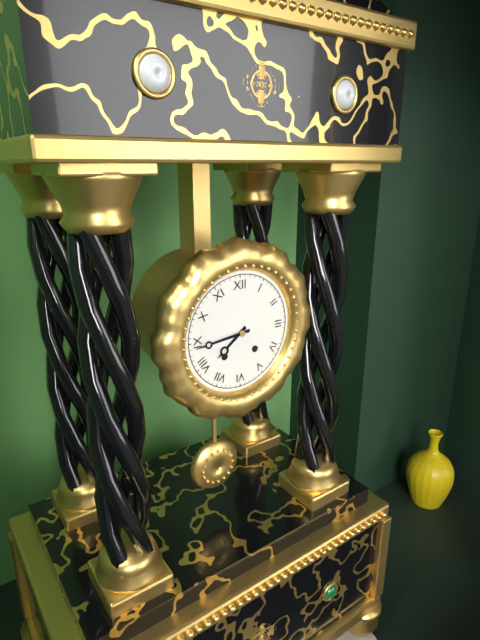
7,44
